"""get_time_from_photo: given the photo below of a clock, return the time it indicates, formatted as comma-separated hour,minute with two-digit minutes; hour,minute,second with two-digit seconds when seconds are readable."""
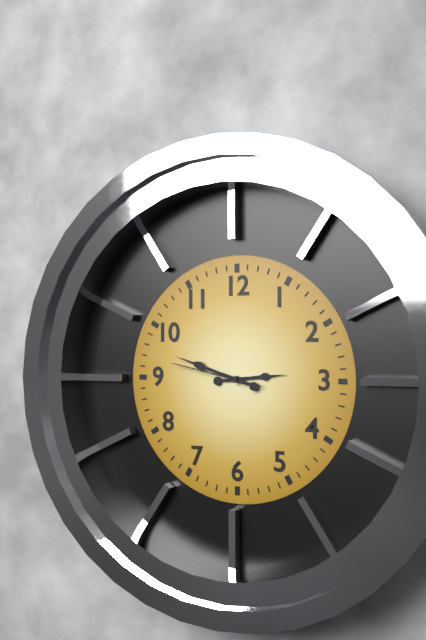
2,48,47
